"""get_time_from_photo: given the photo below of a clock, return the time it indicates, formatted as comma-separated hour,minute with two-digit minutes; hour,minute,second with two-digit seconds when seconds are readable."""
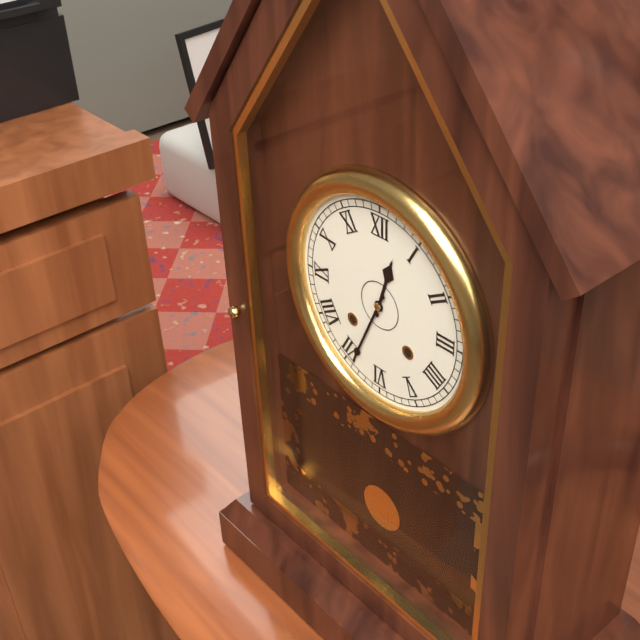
12,34
